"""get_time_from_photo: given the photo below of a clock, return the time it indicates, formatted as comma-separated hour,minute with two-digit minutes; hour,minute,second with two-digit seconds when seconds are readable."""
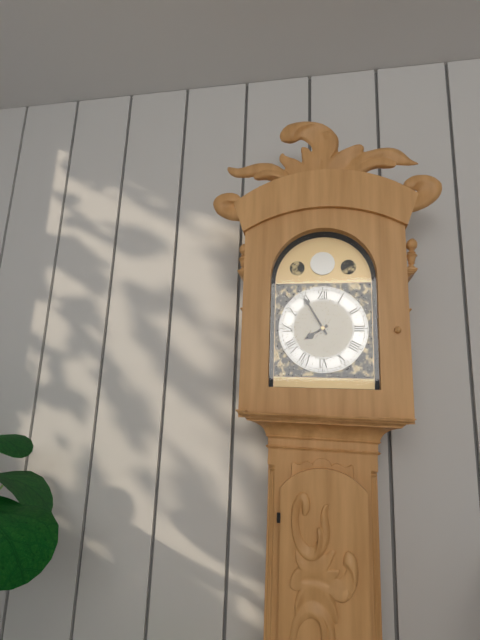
7,55
